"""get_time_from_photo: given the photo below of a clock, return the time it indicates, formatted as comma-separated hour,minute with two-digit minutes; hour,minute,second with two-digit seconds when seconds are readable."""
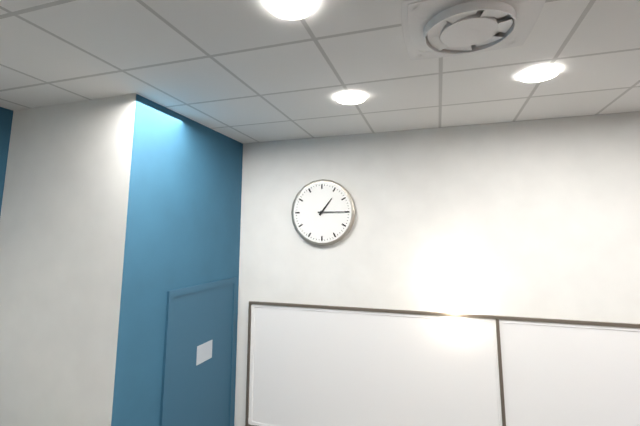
1,15
